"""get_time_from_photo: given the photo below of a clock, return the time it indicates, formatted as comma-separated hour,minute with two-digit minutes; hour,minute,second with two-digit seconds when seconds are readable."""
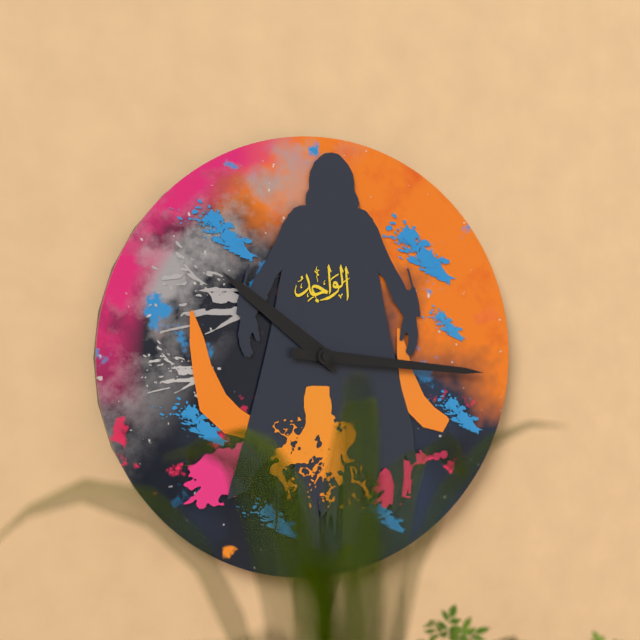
10,16
